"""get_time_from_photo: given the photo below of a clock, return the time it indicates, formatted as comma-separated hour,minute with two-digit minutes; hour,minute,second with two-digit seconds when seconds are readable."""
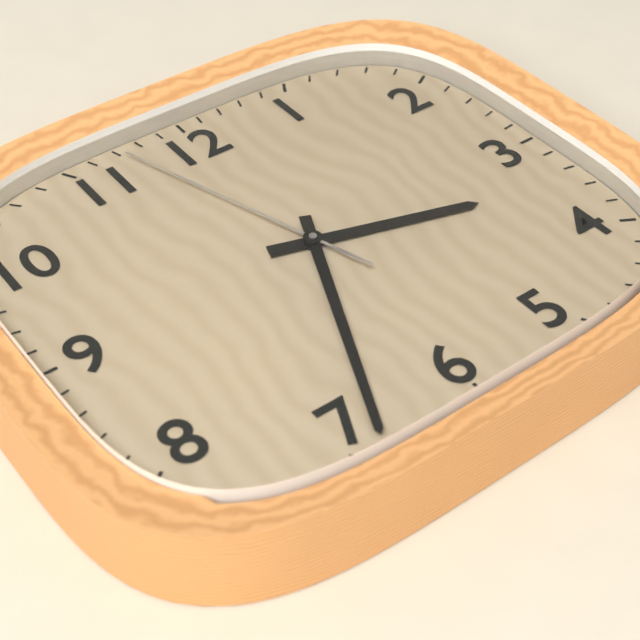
3,34,57
